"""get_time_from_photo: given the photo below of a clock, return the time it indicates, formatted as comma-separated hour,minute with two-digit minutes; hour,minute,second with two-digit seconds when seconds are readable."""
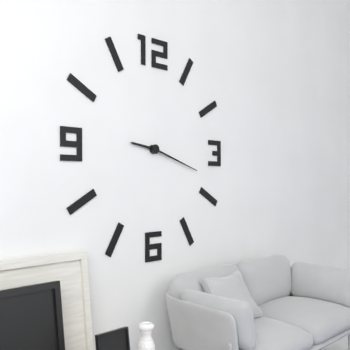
9,18
